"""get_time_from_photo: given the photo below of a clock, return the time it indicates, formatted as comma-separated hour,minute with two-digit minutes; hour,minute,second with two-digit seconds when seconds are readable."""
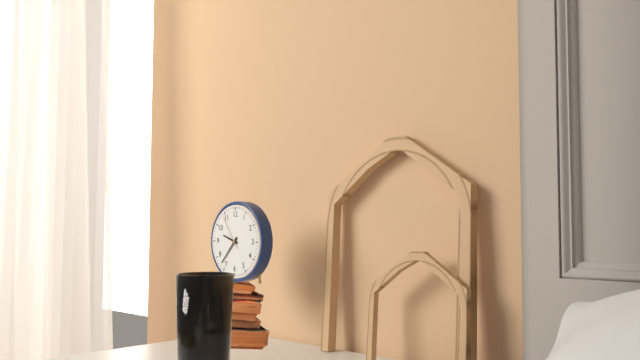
9,37
